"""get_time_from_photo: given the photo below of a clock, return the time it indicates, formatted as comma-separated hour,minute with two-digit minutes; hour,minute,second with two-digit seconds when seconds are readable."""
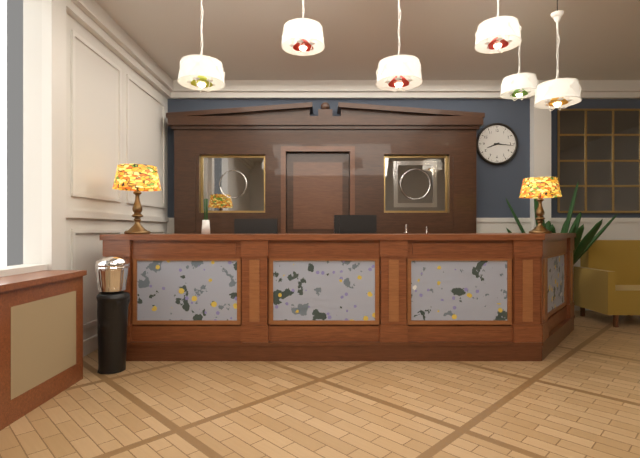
8,16
